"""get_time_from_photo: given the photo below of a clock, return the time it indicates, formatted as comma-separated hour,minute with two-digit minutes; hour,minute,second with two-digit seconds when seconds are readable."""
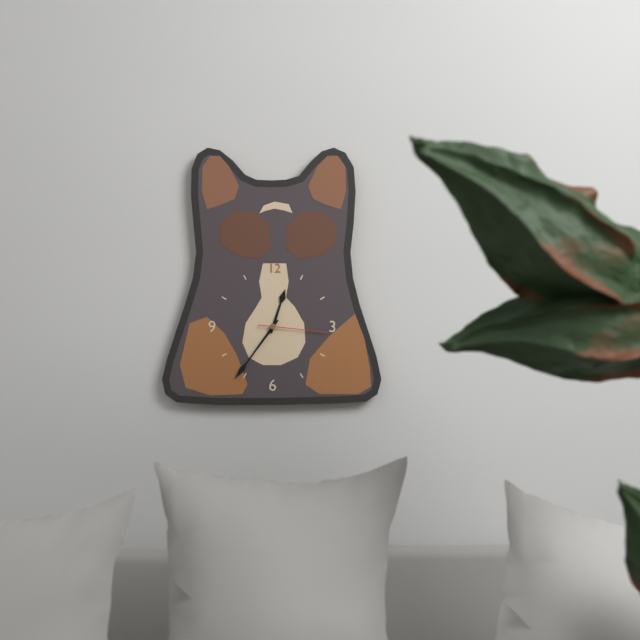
12,36,16
